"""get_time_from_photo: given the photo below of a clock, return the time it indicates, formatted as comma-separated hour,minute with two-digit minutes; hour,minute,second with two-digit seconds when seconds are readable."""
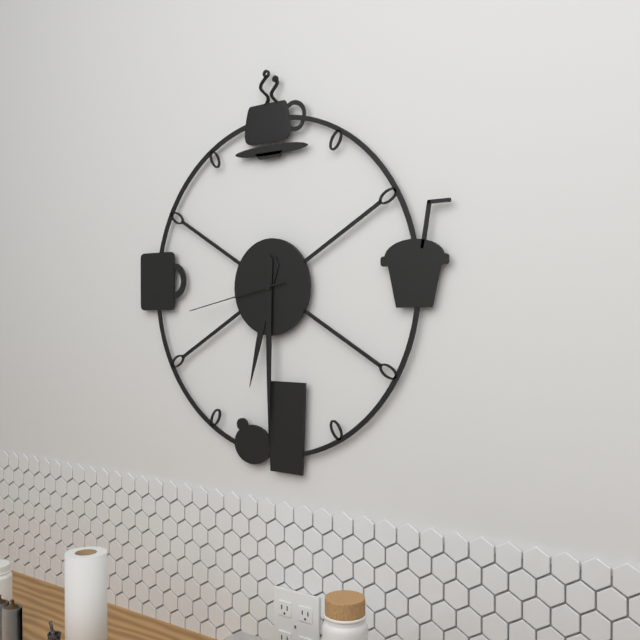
6,30,43
